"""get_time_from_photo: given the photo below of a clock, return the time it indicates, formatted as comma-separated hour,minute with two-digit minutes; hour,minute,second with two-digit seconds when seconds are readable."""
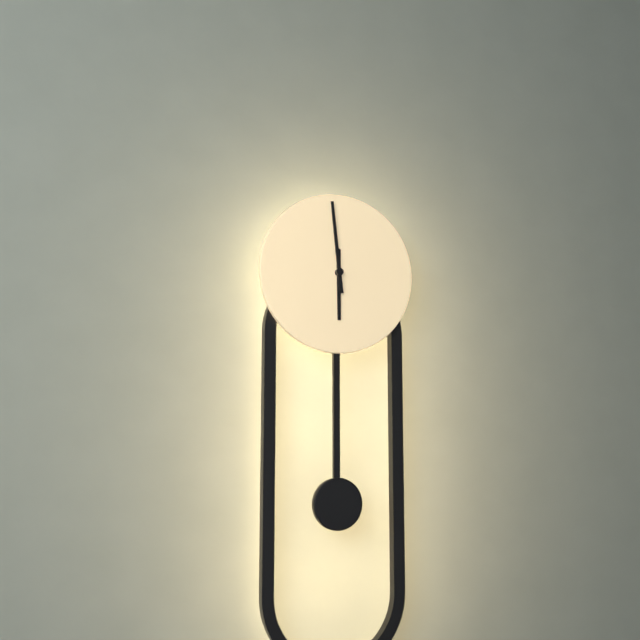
5,59
